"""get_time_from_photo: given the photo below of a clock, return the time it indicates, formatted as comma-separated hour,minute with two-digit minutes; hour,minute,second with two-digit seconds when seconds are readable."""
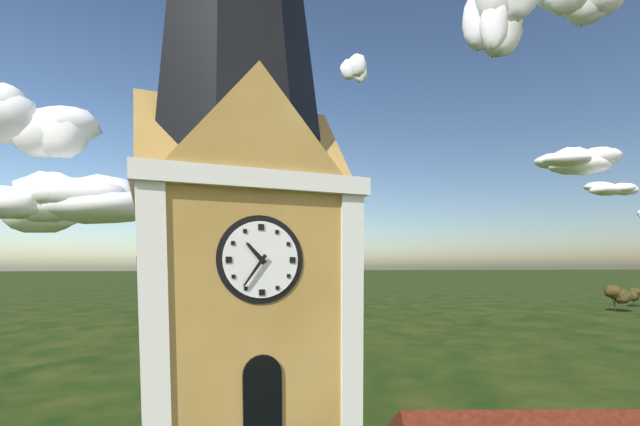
10,36
